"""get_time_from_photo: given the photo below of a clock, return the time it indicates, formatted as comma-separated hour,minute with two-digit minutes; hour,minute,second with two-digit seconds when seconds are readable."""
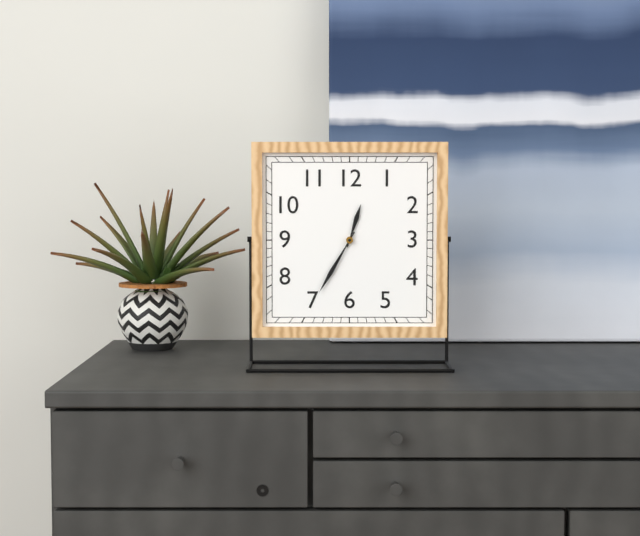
12,35
